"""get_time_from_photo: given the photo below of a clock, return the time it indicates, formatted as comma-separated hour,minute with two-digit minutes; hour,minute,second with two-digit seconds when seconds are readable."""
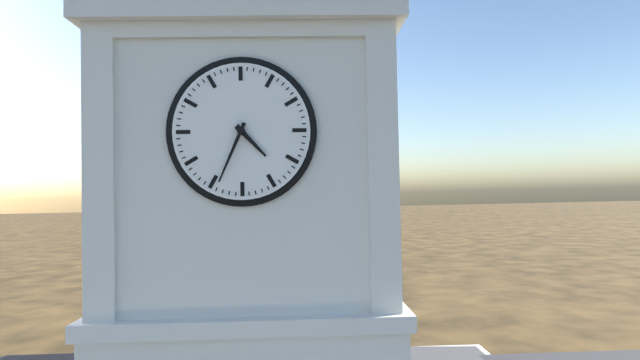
4,34
